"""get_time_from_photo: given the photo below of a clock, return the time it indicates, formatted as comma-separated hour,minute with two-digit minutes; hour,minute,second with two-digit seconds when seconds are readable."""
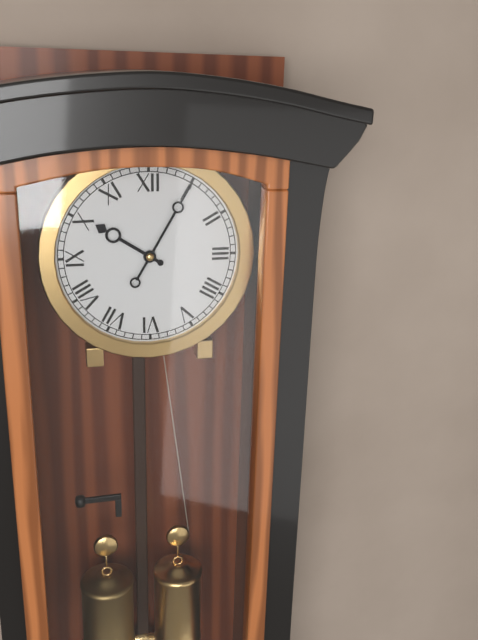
10,05
